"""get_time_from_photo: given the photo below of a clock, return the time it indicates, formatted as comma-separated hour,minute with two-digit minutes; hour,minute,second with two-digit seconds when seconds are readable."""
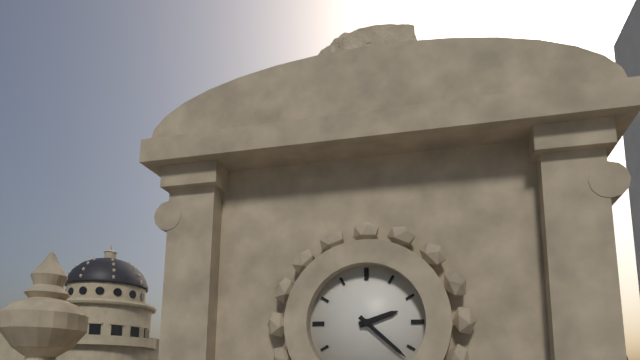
2,22
